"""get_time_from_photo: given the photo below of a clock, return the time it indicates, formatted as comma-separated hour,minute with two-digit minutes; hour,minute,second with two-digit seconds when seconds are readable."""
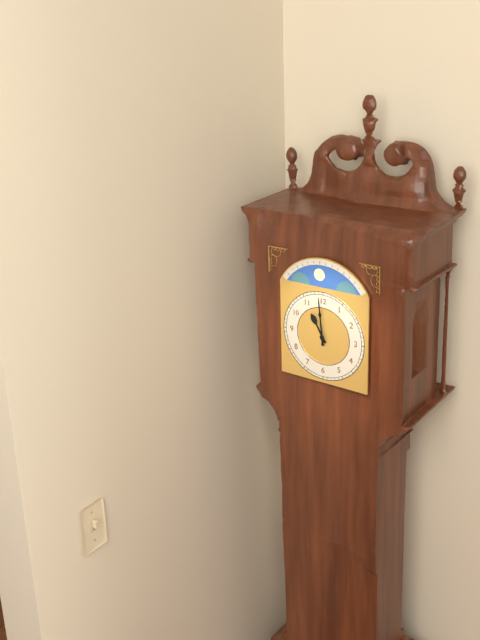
10,59
